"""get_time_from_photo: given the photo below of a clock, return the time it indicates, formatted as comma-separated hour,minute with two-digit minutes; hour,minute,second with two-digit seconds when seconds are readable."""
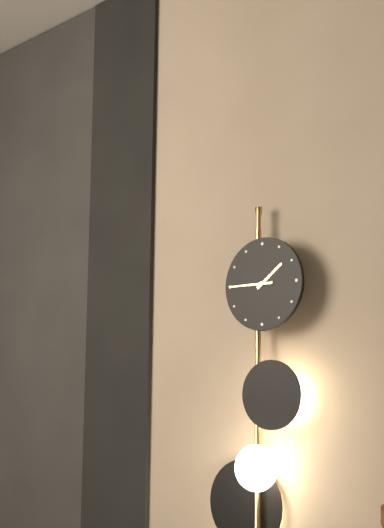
1,45
